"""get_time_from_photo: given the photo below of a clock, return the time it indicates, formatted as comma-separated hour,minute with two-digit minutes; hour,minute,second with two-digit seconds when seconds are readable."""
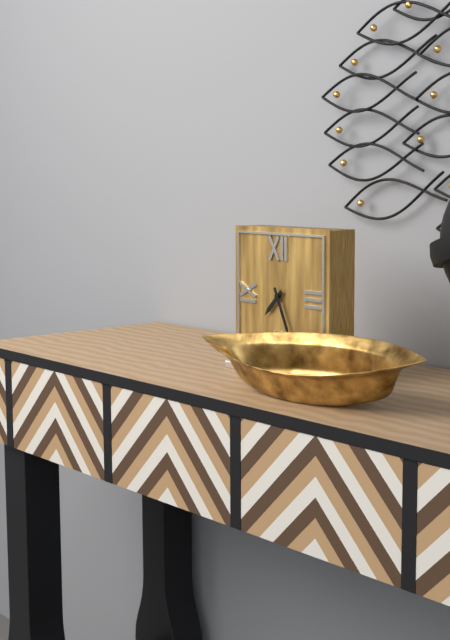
7,26
